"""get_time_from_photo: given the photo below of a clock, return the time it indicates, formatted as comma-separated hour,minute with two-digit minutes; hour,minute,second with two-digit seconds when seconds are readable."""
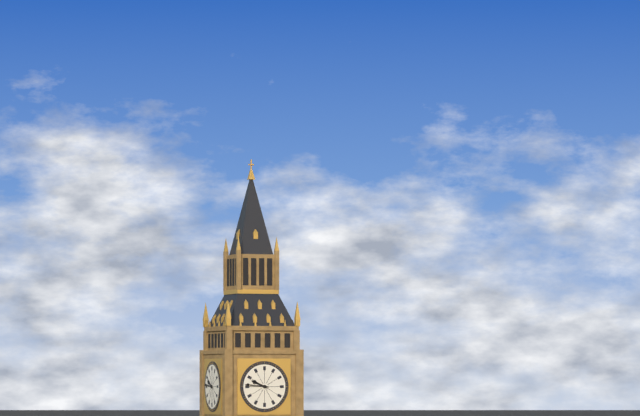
9,46
